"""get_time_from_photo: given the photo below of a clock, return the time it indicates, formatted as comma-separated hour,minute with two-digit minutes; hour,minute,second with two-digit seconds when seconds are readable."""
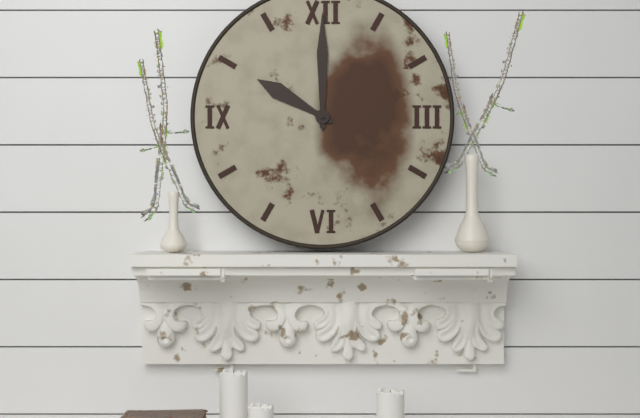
10,00
